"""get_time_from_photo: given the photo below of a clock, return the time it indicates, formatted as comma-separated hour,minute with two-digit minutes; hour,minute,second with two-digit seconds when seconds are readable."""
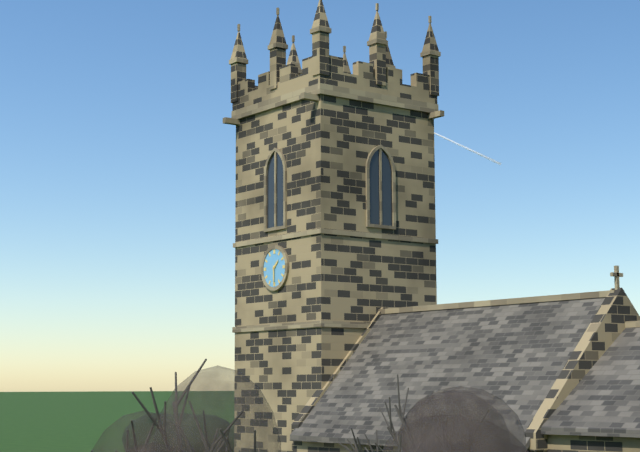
1,30
